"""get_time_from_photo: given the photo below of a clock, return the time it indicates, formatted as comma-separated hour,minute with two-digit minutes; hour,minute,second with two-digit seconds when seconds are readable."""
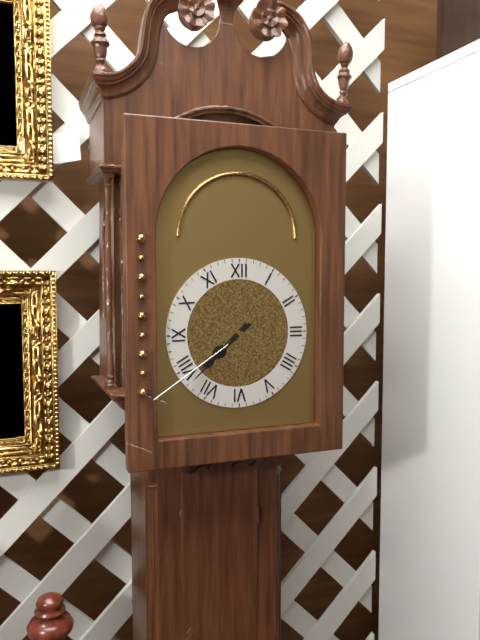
7,38
